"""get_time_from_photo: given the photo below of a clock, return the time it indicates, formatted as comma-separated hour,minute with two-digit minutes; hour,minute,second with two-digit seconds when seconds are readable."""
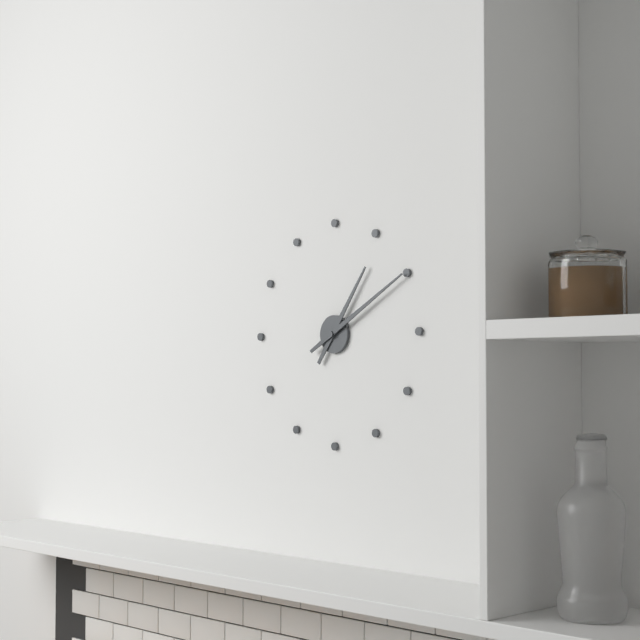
1,10
